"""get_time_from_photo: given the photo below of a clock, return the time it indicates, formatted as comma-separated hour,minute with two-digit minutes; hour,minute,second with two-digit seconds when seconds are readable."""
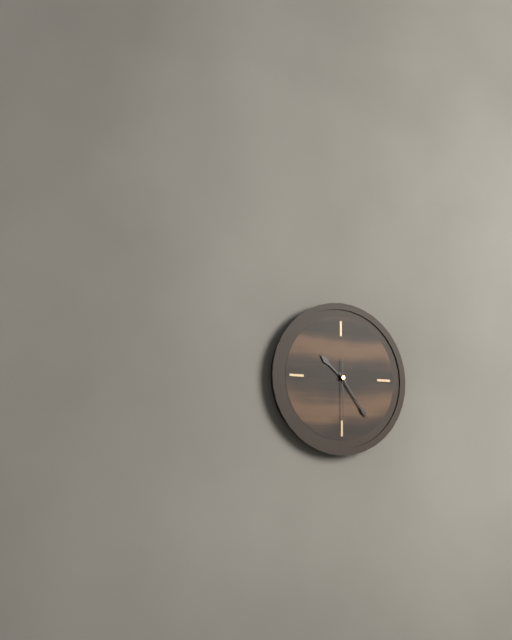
10,24,30
